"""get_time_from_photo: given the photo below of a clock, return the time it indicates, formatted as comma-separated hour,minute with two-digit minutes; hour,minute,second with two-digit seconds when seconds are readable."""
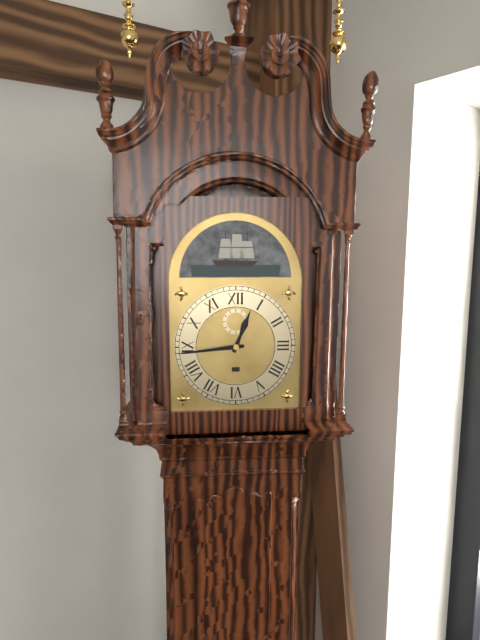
12,44
